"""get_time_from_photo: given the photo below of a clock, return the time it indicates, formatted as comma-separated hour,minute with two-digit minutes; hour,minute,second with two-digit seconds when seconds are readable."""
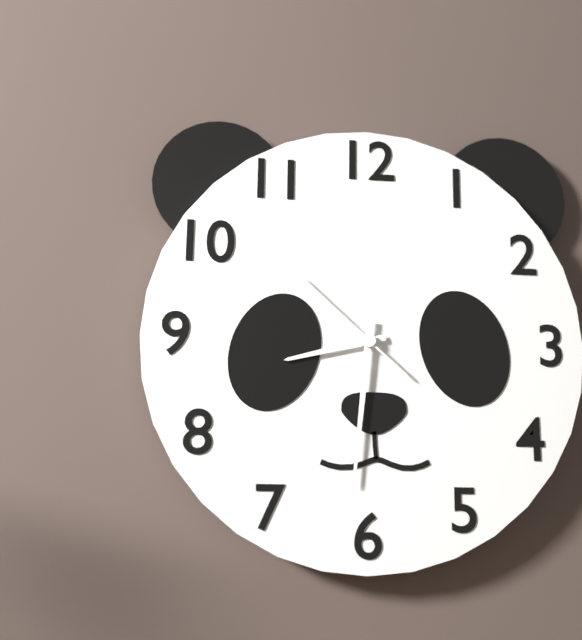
8,31,52
